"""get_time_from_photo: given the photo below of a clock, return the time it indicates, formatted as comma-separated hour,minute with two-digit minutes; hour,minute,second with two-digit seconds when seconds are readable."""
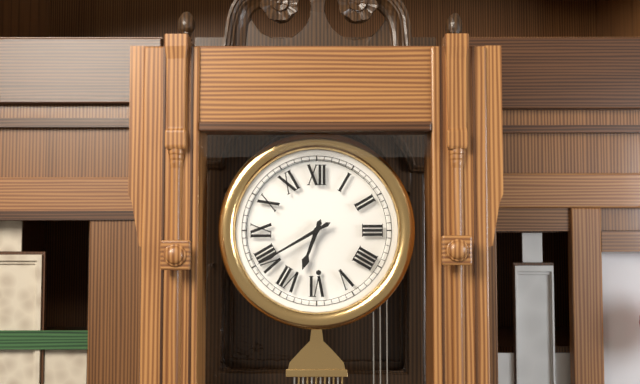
6,40
